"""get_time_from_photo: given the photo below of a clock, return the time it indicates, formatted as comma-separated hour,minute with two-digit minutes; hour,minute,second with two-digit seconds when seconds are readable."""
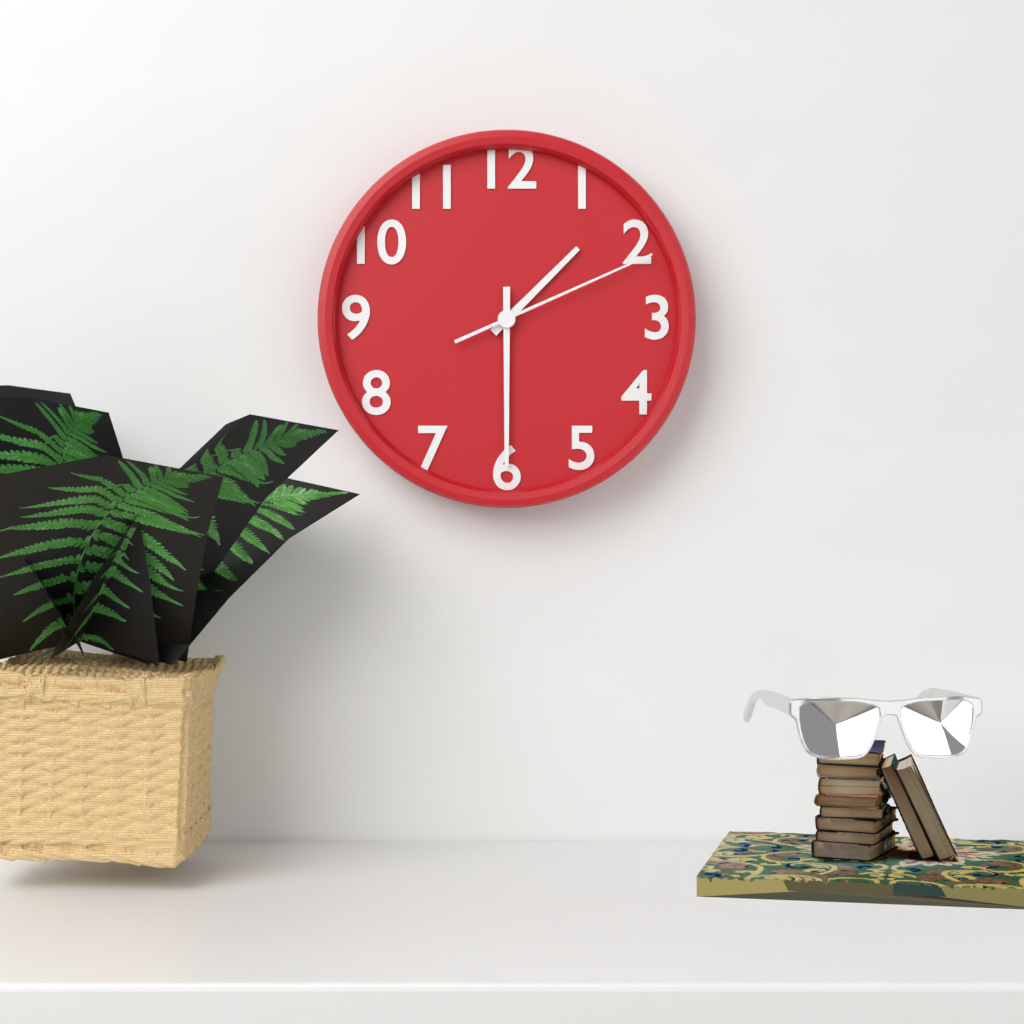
1,30,11
